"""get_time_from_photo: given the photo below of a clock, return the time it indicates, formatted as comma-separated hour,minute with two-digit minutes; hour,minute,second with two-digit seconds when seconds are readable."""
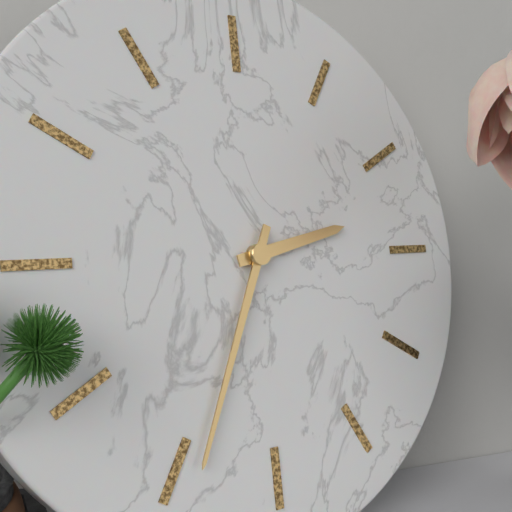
2,34
